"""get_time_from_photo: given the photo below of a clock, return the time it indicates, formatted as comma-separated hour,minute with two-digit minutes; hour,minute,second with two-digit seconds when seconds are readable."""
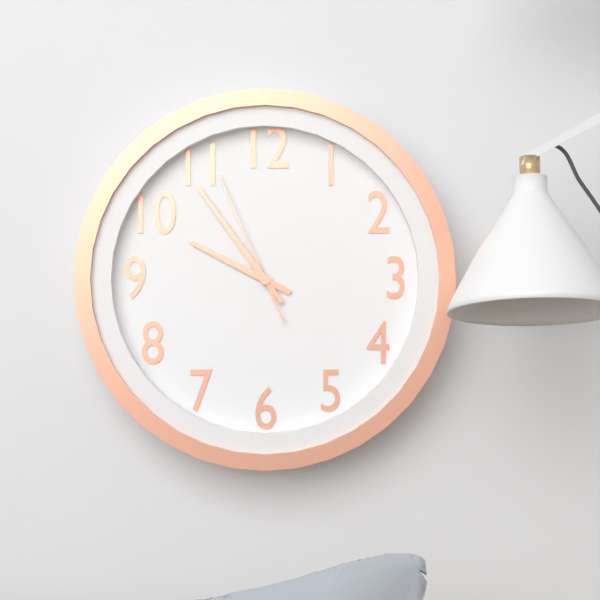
9,54,56
